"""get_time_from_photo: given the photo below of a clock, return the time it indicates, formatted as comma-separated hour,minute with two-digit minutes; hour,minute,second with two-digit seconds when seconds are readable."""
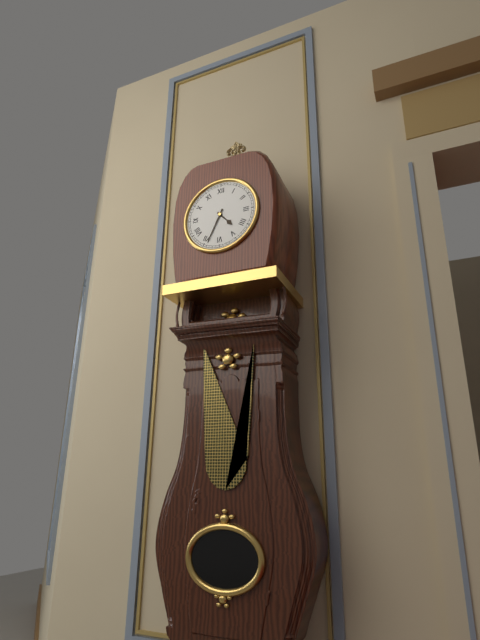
4,34
